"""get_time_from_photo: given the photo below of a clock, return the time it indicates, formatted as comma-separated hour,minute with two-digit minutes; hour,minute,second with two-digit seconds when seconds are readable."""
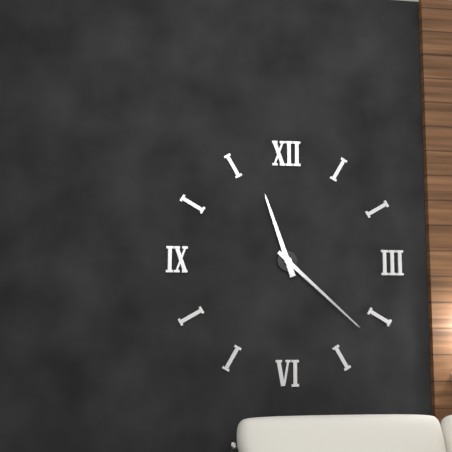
11,22
